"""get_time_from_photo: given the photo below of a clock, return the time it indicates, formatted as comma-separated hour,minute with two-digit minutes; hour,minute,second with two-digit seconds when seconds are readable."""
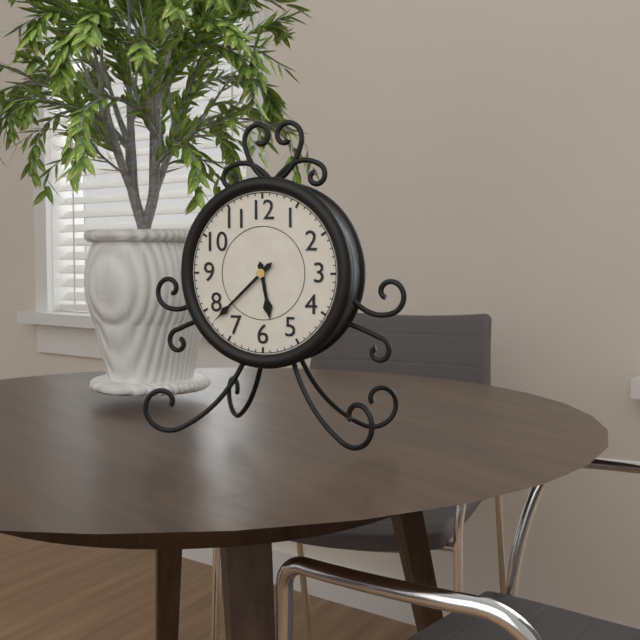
5,38
